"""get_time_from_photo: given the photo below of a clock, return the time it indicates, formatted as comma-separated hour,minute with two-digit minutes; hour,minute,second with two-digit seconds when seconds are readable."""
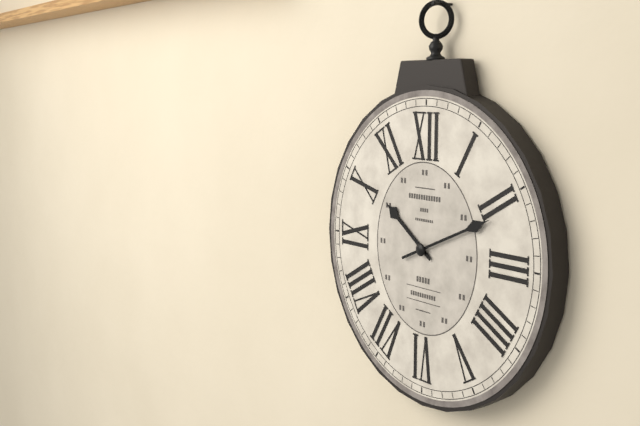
10,11
